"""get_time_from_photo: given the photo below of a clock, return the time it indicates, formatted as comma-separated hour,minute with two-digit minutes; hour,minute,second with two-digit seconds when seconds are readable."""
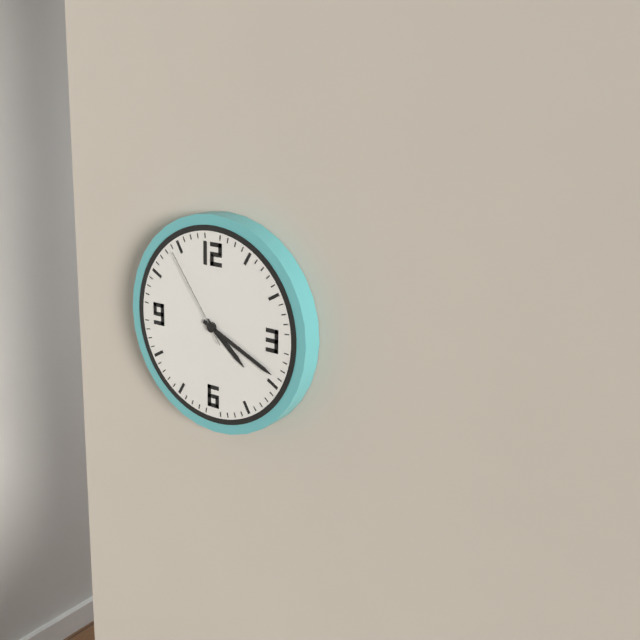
4,19,54
